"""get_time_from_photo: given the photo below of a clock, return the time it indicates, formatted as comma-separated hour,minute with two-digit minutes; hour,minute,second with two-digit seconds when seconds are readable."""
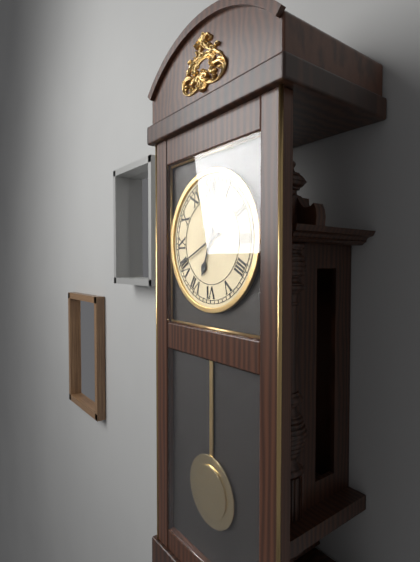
6,41
